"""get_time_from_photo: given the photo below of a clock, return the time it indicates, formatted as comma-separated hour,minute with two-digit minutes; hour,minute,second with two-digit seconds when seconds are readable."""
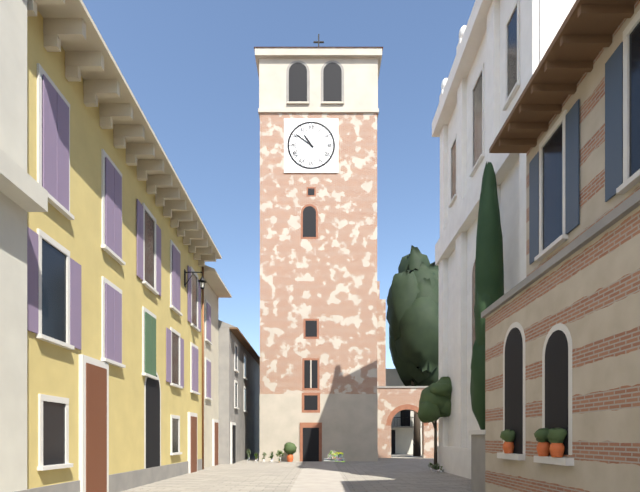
10,51
